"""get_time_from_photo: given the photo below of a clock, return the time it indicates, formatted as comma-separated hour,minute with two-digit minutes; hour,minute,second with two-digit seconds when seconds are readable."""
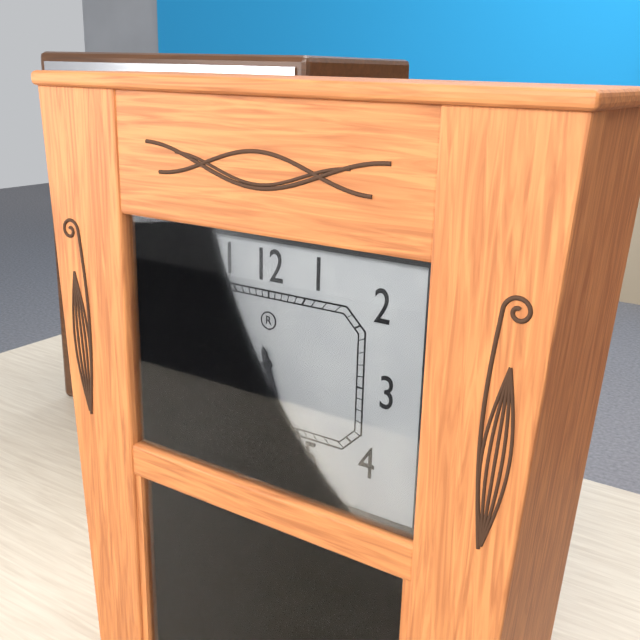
5,28
